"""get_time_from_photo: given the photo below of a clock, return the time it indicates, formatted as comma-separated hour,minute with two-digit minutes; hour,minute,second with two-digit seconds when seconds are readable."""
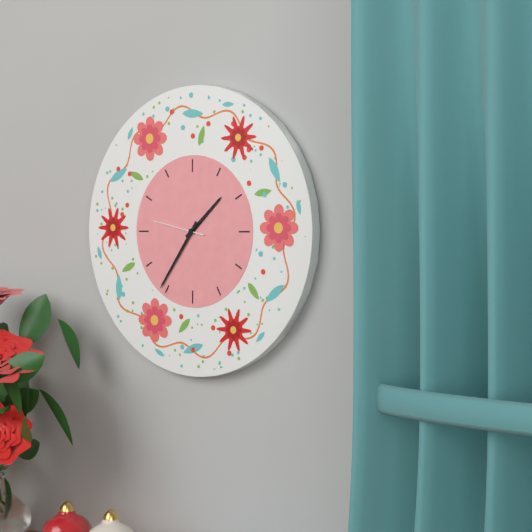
1,36,47
